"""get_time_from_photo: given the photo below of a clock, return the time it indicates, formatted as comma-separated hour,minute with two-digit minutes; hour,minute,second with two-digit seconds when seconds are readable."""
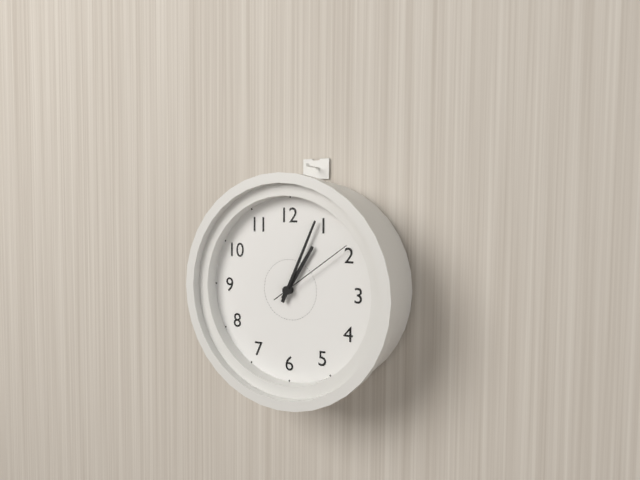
1,04,09
